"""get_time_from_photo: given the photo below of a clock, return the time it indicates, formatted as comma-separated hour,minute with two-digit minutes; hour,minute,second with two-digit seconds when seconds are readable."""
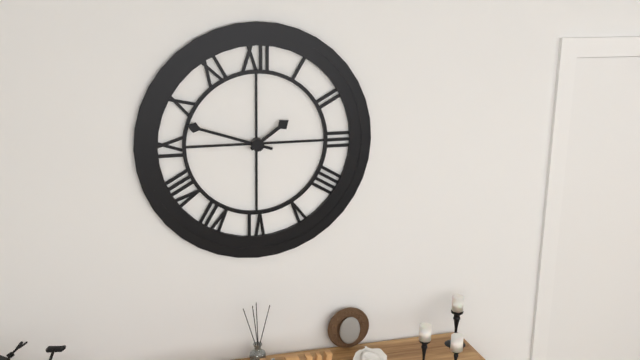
1,48
